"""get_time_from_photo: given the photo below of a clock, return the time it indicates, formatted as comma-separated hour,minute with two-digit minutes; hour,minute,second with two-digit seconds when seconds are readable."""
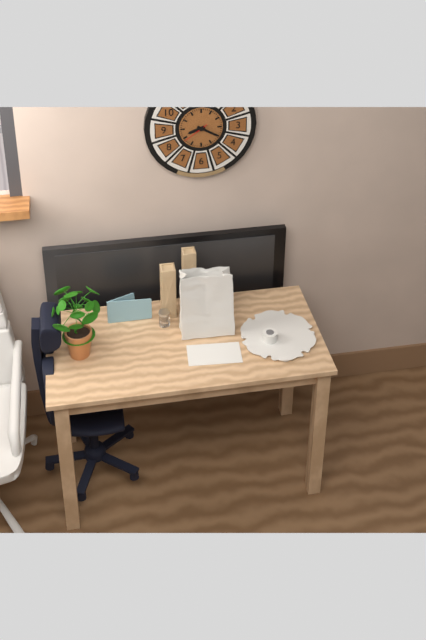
8,20
